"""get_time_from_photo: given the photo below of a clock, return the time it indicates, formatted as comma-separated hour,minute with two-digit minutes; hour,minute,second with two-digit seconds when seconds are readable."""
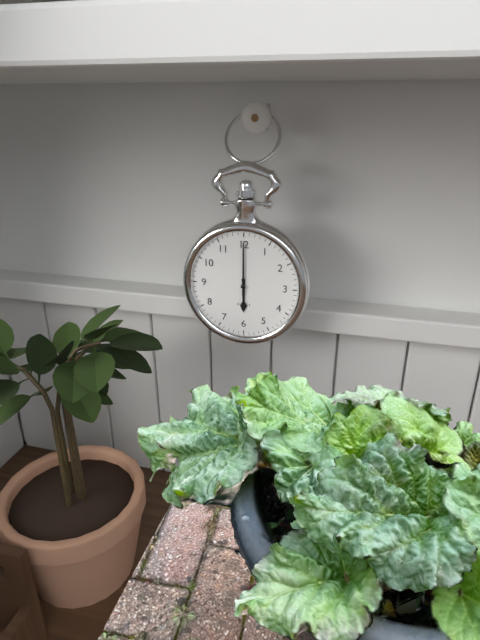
6,00
